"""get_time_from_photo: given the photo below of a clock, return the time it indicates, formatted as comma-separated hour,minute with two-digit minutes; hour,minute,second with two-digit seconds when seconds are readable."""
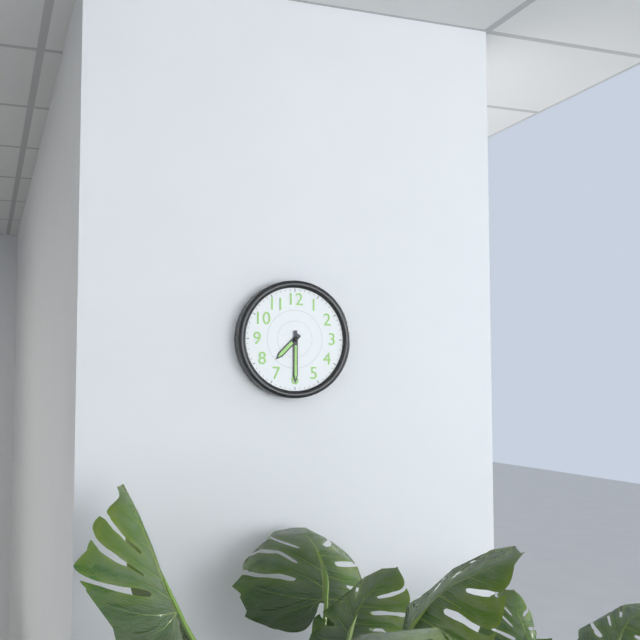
7,30
